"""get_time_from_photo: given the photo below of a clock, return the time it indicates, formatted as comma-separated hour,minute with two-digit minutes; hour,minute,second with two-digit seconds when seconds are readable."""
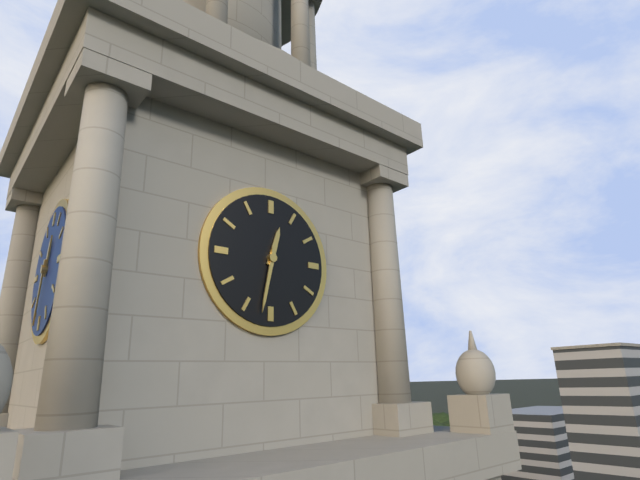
12,32
